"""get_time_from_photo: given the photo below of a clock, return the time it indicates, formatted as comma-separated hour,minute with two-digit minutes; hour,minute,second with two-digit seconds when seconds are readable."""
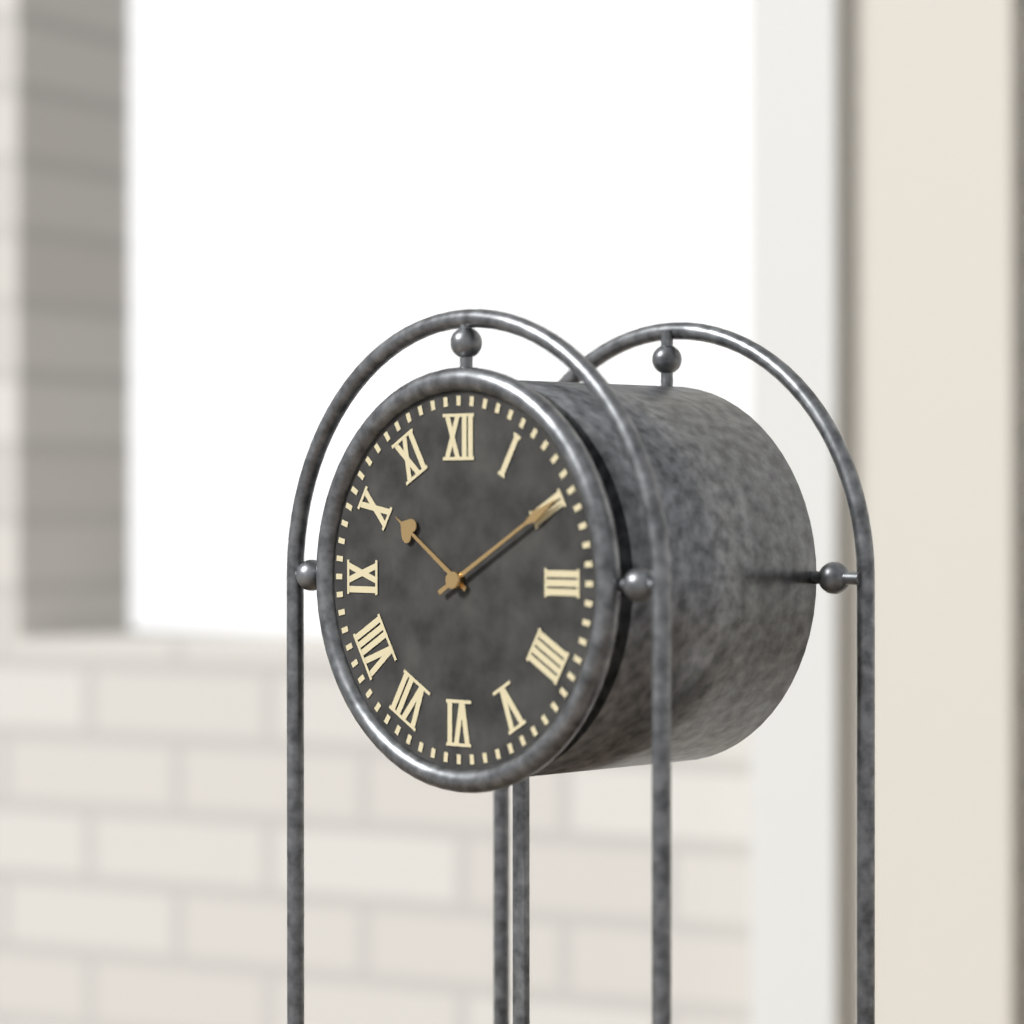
10,10
